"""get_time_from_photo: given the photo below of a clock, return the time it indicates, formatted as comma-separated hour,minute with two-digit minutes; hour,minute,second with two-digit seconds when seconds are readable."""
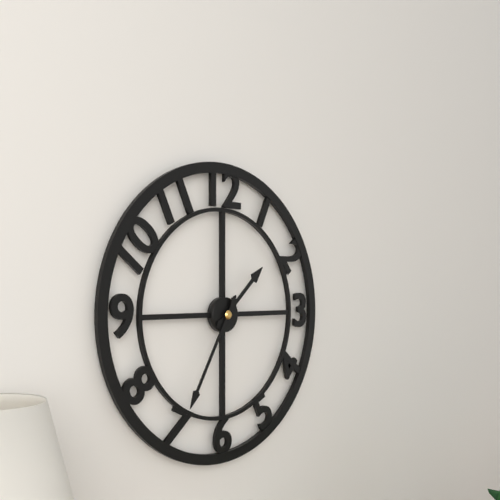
1,35
